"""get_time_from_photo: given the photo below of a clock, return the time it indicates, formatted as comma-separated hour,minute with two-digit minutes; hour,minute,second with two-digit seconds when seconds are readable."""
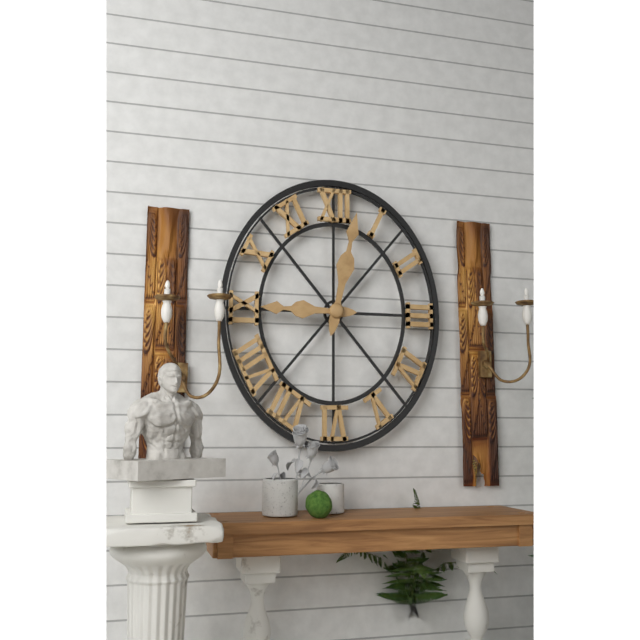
9,02
